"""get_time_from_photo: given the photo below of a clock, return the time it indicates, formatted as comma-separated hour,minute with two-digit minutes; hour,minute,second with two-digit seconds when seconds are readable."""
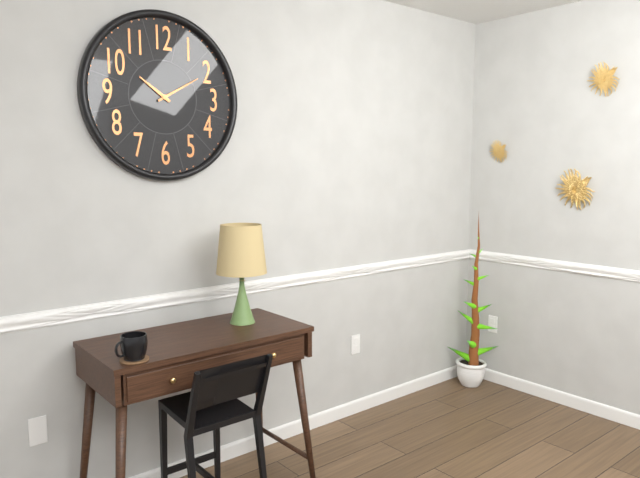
10,10
